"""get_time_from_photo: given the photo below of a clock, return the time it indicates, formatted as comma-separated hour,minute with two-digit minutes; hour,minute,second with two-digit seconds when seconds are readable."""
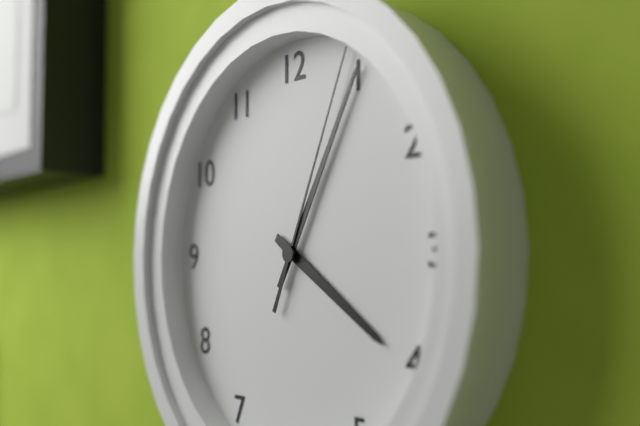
4,05,04
